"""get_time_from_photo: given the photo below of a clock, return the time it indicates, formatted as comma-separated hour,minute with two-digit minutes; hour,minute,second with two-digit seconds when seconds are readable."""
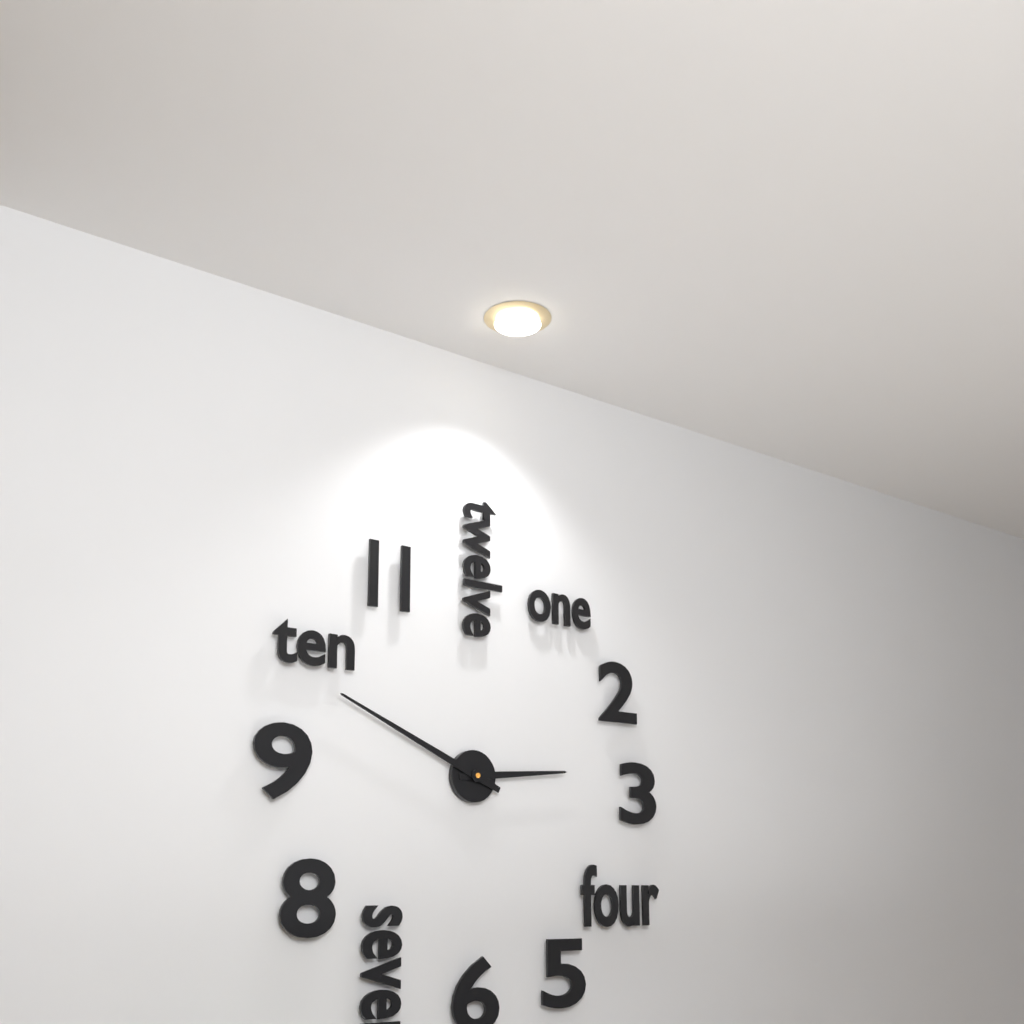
2,49
